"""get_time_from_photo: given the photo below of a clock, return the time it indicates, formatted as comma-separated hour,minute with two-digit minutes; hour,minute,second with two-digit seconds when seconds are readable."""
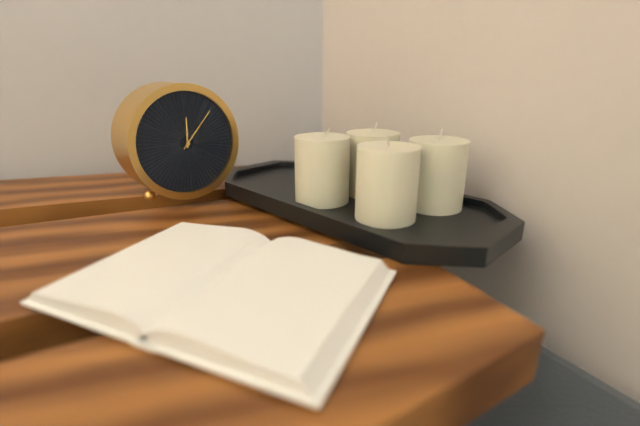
12,07
